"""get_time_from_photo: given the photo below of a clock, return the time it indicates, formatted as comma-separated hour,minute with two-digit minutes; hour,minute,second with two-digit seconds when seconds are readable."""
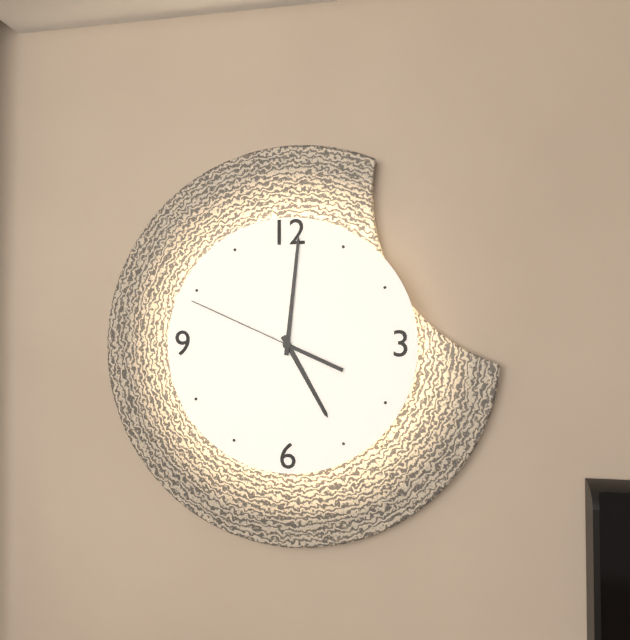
5,01,49
